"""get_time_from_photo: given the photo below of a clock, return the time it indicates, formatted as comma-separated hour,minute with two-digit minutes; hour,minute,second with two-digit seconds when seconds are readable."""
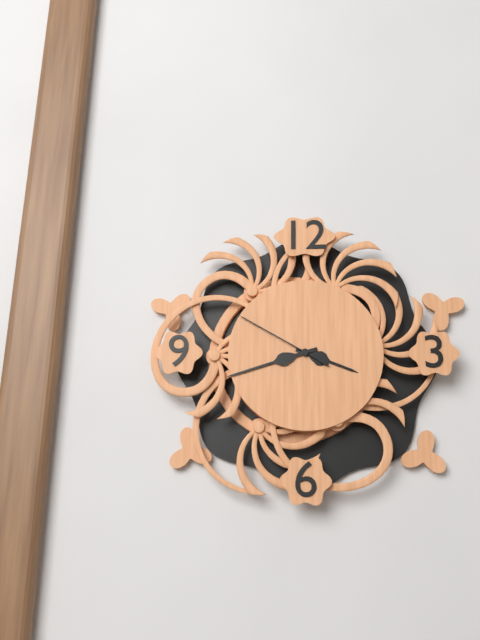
3,42,50
